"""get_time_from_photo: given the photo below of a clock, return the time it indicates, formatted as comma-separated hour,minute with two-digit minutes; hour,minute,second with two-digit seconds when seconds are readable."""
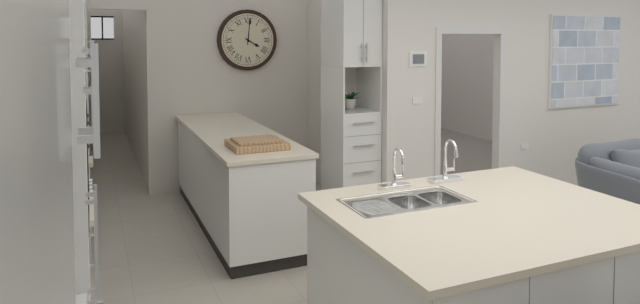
4,01
